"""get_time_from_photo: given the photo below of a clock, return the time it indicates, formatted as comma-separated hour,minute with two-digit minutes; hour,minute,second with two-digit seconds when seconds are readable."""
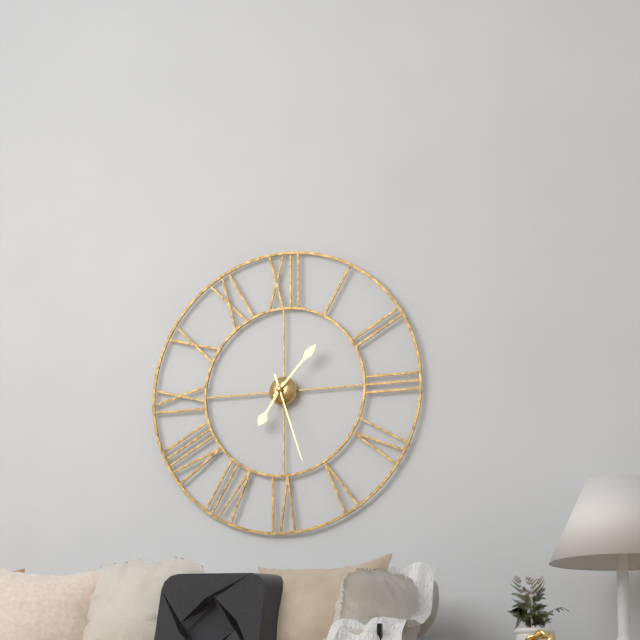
7,07,27
